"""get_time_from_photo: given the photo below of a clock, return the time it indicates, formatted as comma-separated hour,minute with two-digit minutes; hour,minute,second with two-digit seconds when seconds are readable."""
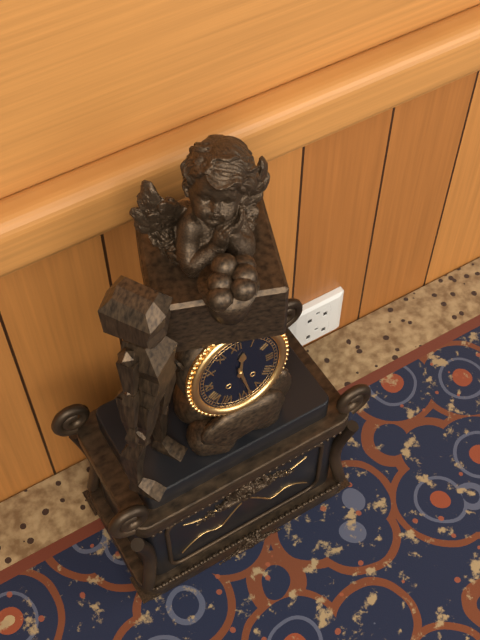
12,28
